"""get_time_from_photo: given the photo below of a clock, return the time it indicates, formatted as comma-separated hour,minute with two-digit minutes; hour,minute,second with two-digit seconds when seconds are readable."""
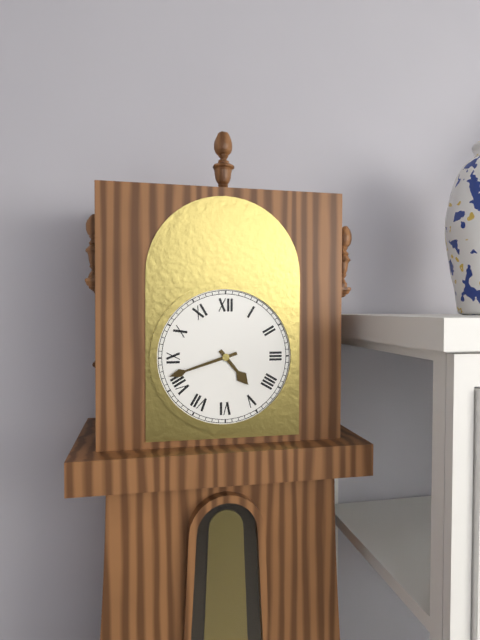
4,42
